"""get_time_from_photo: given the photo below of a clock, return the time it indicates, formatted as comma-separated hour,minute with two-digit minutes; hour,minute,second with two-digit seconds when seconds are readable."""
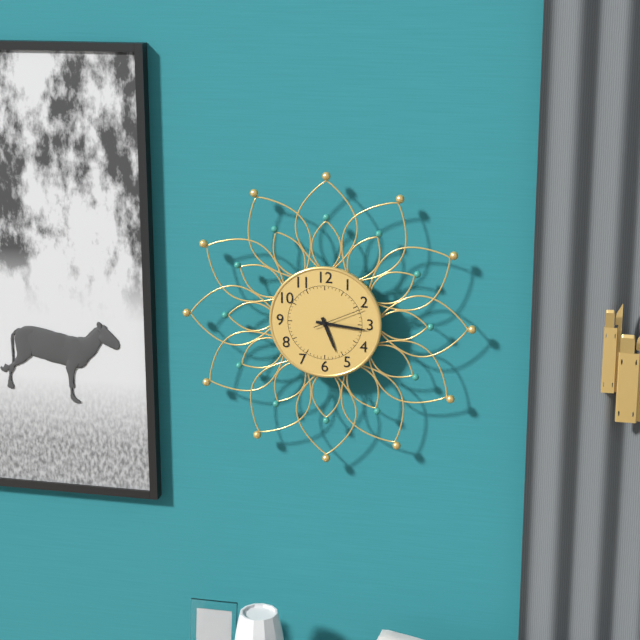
5,16,11
